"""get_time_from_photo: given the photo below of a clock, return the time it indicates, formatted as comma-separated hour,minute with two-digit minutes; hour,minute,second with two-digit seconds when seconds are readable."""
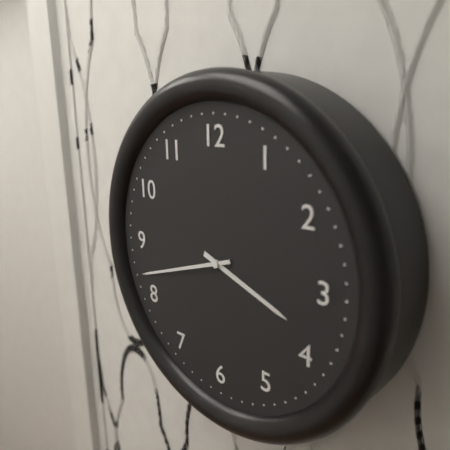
3,42
